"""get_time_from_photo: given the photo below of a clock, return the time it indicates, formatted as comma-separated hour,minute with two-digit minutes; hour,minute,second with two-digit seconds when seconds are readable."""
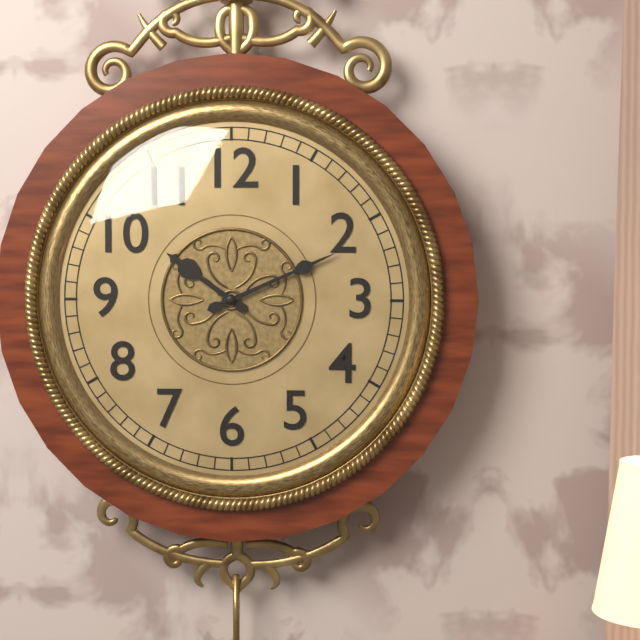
10,11
